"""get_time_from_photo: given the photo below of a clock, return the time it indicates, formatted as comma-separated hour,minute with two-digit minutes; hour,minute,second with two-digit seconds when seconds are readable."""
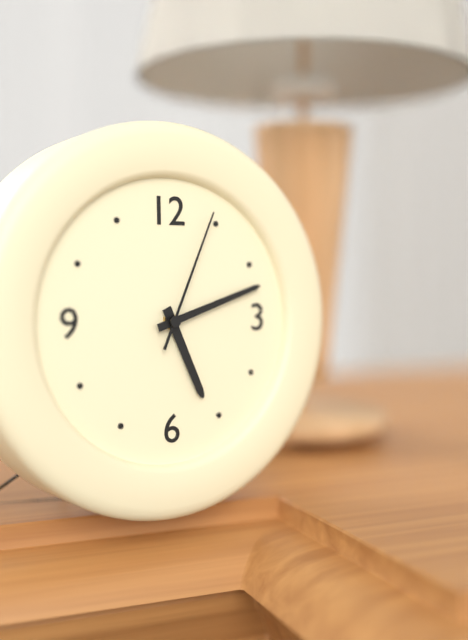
5,12,04
